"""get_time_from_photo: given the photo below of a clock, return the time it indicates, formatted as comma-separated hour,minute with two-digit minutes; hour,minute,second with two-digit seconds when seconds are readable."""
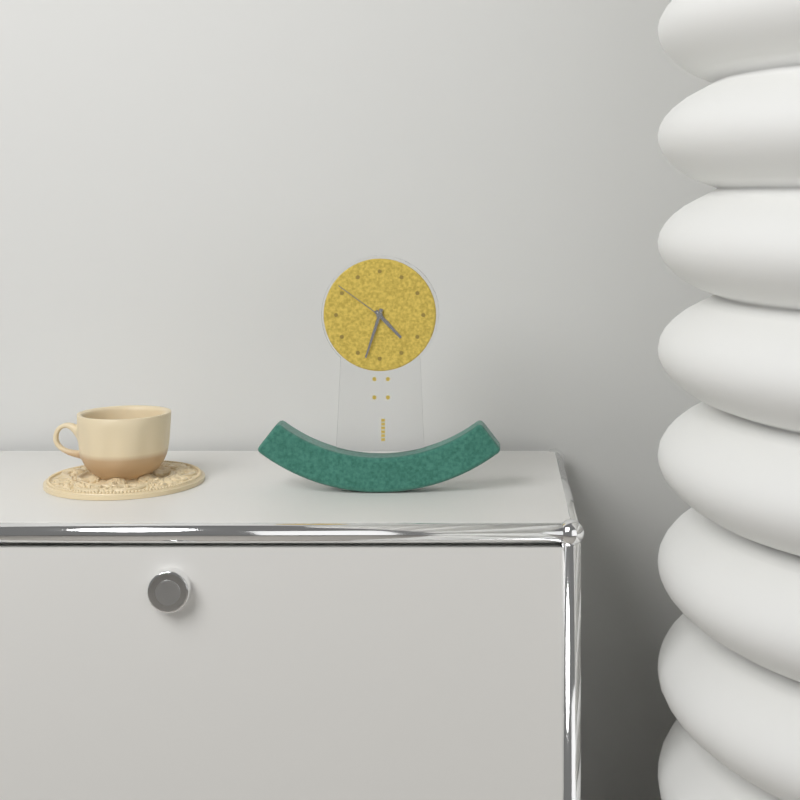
4,33,51
